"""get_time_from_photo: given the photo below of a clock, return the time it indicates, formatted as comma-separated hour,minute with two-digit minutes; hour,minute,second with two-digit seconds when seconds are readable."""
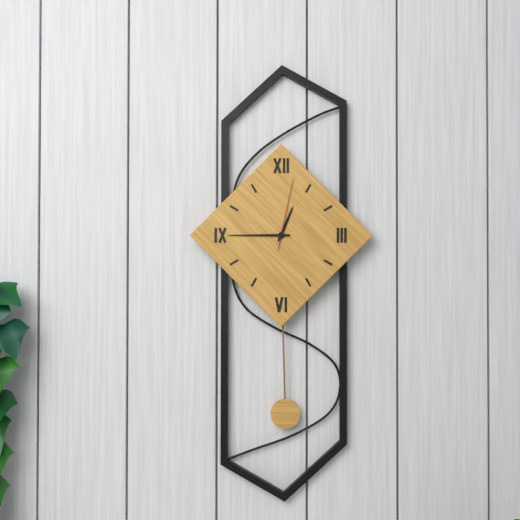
12,45,02
